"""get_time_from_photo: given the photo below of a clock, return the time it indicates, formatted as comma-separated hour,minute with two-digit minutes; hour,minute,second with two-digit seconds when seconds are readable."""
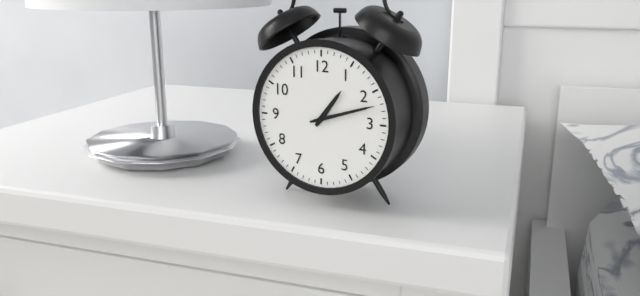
1,12
